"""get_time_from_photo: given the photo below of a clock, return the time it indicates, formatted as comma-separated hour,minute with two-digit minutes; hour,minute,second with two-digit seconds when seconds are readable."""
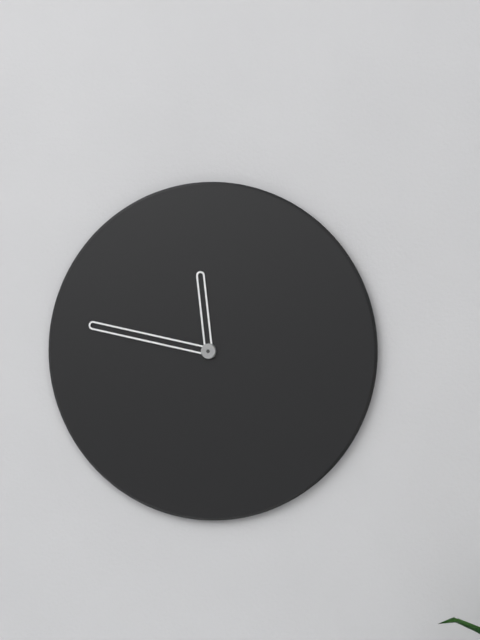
11,47
